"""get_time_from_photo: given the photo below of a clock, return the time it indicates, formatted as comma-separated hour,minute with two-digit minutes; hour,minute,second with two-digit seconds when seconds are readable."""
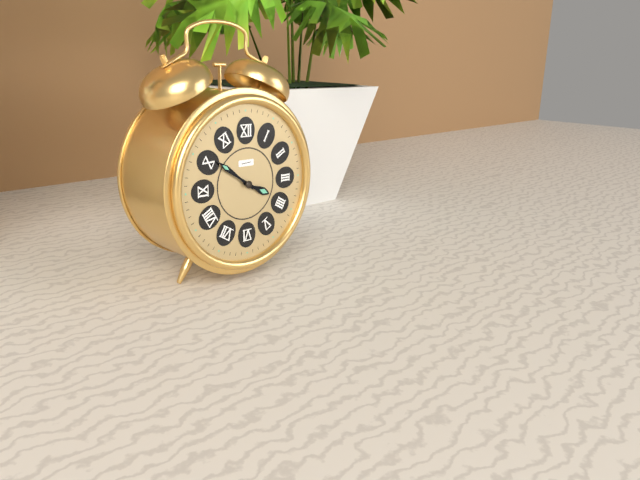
3,51
